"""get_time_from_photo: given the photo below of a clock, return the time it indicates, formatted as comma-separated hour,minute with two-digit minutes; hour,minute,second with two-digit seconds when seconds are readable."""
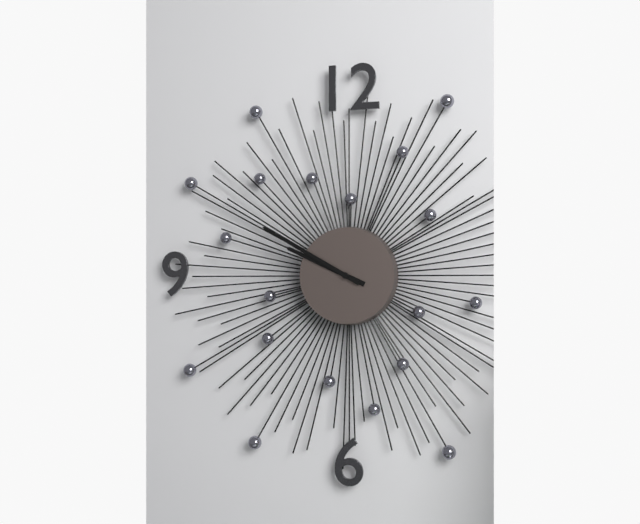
9,50
